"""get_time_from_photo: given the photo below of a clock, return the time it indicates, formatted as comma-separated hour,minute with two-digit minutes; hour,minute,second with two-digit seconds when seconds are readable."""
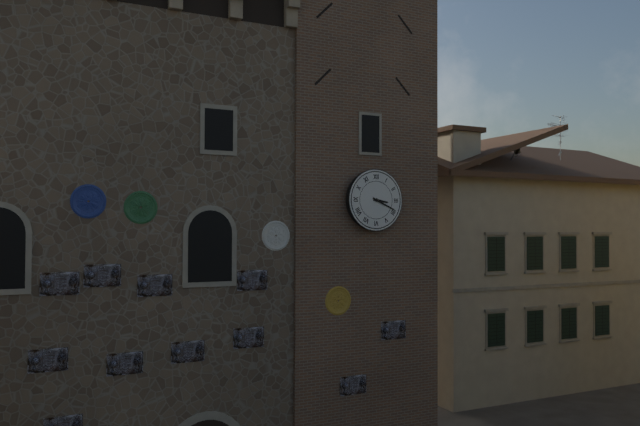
3,19
